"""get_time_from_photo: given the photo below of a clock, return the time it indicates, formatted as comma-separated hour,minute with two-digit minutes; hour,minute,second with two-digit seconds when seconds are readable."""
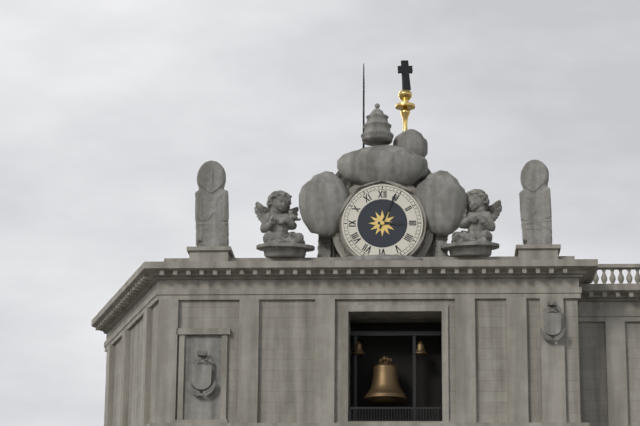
3,04
